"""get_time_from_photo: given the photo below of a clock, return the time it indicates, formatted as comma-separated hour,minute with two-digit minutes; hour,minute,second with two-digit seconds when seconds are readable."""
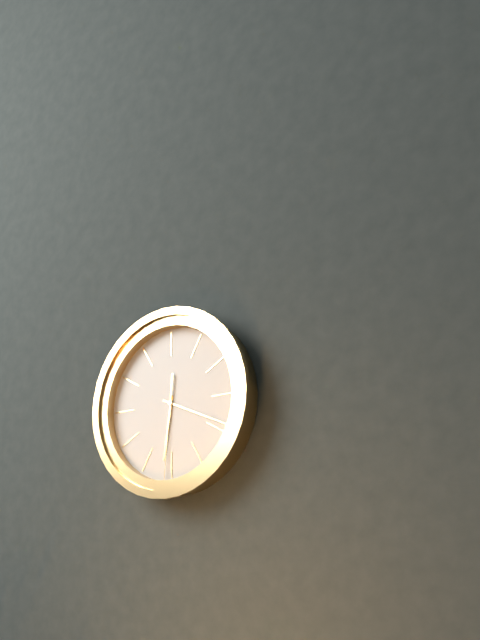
6,19,31
